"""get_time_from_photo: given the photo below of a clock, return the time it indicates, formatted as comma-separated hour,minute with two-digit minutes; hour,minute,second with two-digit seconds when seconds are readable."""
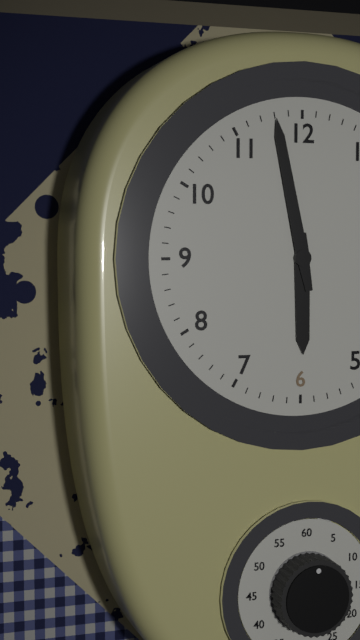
5,58
